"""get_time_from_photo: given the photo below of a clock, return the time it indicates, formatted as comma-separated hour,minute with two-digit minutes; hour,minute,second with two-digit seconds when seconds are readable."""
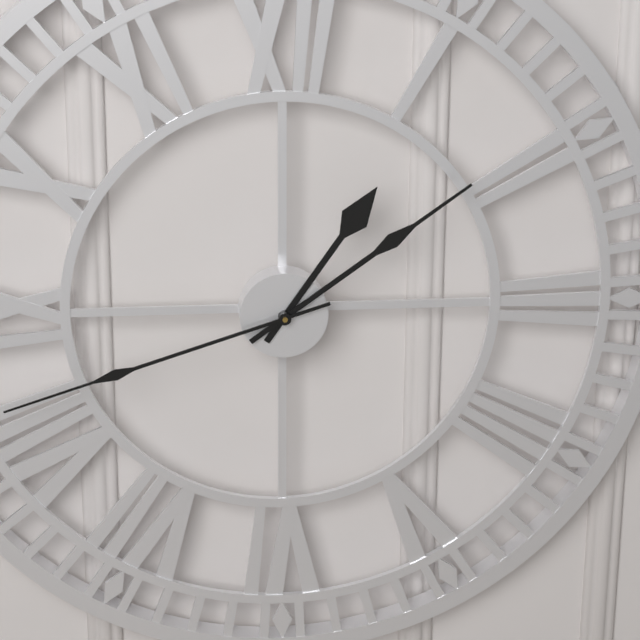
1,09,42
